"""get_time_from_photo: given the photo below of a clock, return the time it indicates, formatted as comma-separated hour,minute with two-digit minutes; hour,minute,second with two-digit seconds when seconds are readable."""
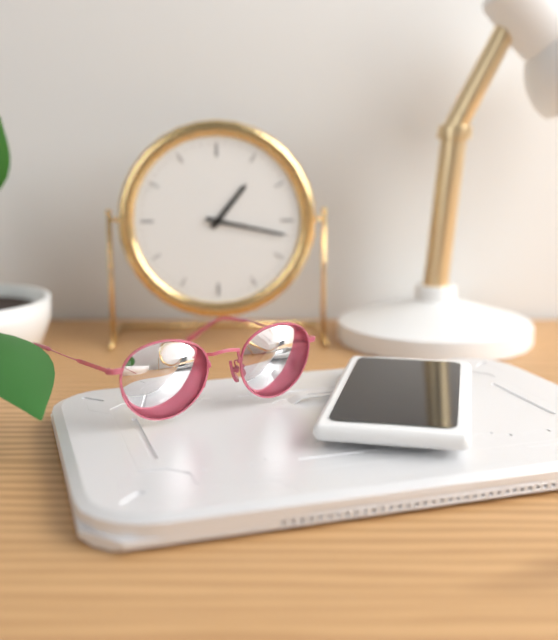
1,17
